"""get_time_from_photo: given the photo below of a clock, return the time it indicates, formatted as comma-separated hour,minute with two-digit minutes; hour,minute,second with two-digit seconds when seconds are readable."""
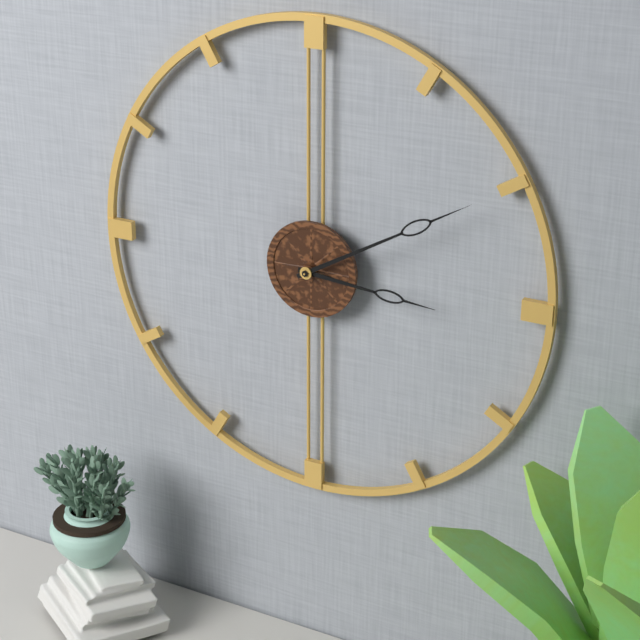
3,10
